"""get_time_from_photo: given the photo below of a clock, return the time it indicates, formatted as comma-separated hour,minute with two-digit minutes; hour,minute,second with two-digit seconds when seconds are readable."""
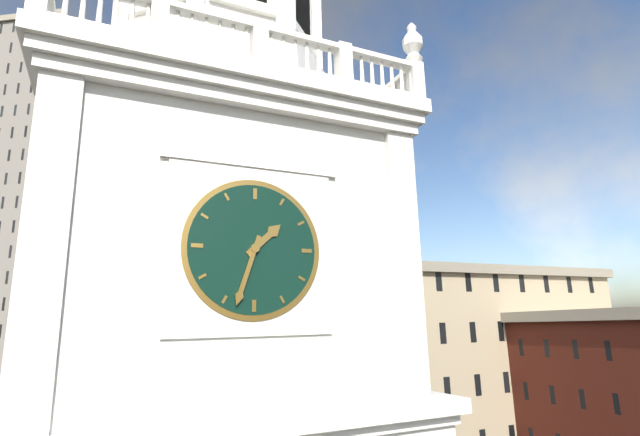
1,33
